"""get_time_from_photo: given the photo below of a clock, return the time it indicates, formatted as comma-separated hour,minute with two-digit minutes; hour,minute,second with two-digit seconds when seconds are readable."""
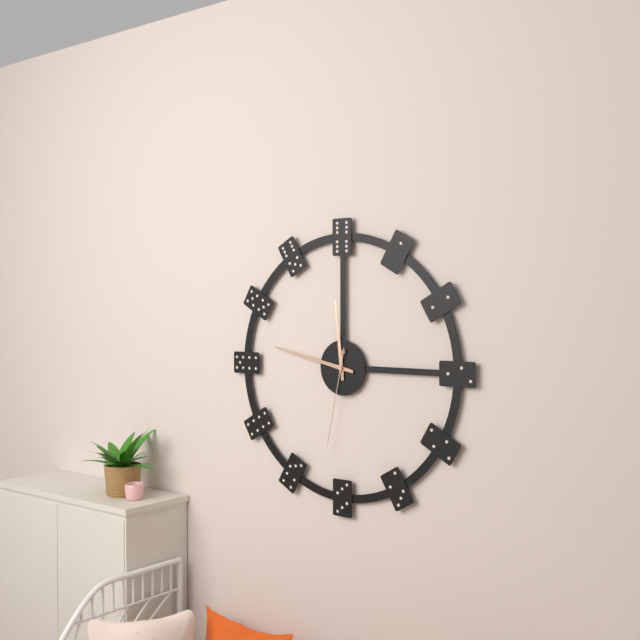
11,47,32
